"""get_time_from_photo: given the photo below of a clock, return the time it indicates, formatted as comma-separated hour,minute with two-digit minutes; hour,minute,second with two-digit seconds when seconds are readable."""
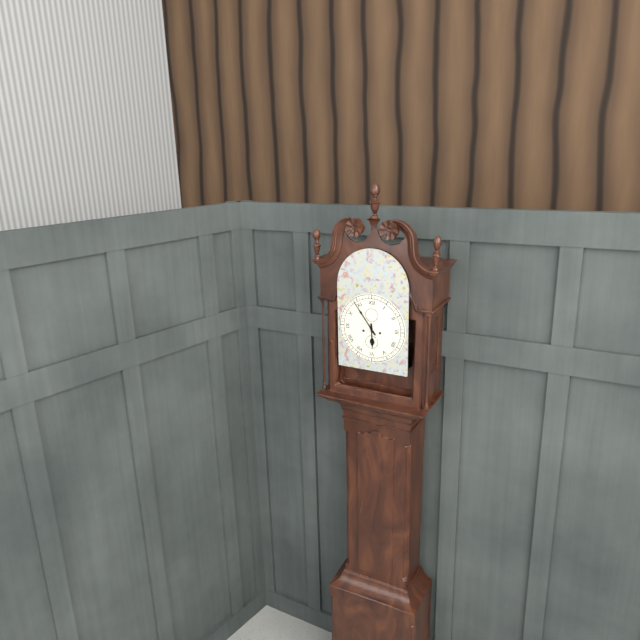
5,54
